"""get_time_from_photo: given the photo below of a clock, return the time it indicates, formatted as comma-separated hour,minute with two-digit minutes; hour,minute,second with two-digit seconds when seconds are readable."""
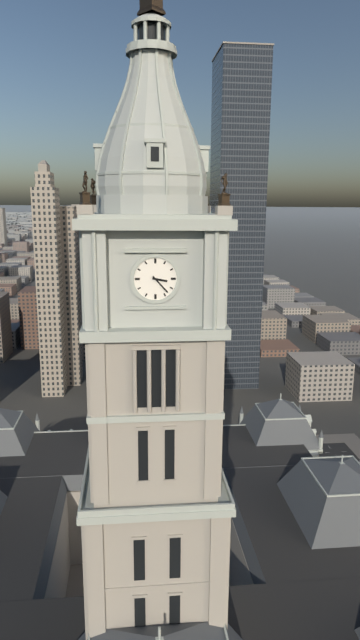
3,23
